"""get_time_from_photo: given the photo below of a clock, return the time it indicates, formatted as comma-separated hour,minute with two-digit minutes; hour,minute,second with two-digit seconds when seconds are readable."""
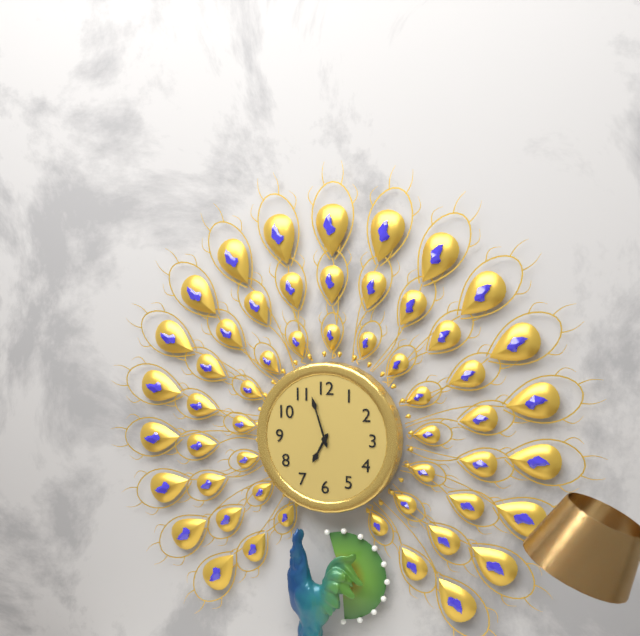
6,57
